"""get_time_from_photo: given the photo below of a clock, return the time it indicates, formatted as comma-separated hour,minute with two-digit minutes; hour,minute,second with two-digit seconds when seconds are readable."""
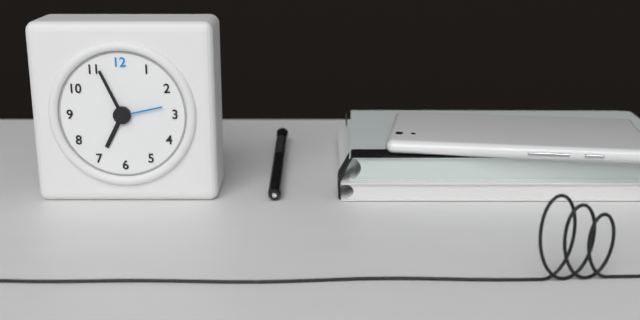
6,56,13
